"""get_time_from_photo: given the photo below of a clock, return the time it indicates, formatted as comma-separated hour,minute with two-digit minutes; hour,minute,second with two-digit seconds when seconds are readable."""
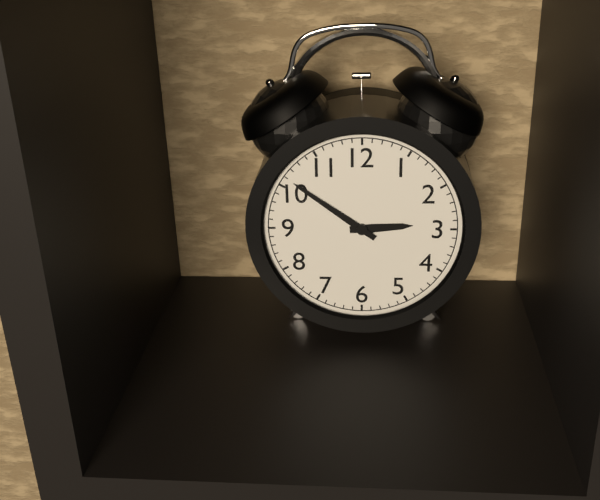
2,51
